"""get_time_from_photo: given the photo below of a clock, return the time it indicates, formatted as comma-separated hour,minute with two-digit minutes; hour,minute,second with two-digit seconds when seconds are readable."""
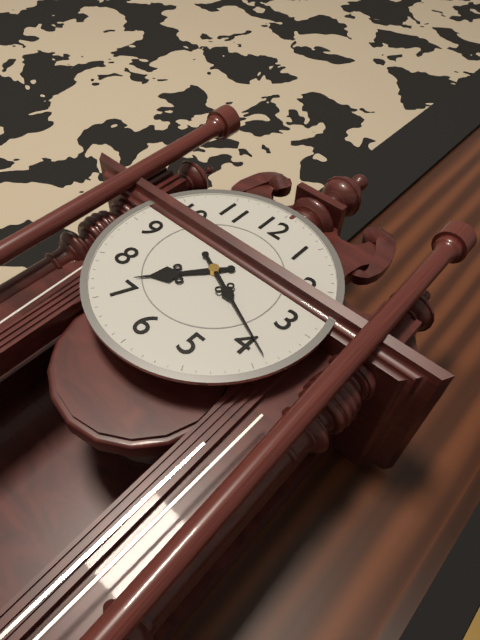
7,19
